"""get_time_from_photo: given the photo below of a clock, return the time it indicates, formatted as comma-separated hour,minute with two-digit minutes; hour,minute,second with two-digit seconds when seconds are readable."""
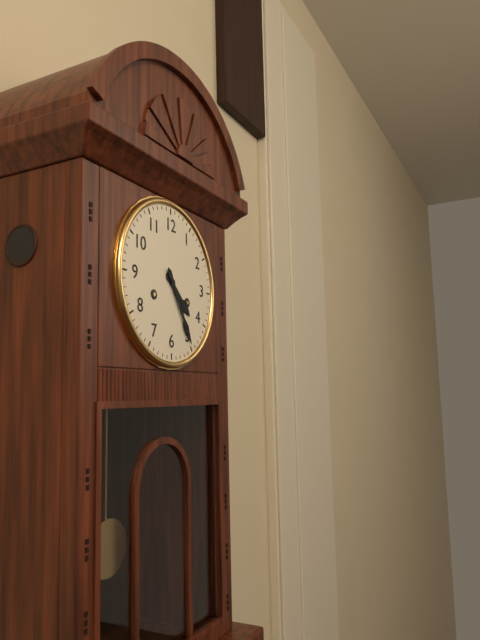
4,25
